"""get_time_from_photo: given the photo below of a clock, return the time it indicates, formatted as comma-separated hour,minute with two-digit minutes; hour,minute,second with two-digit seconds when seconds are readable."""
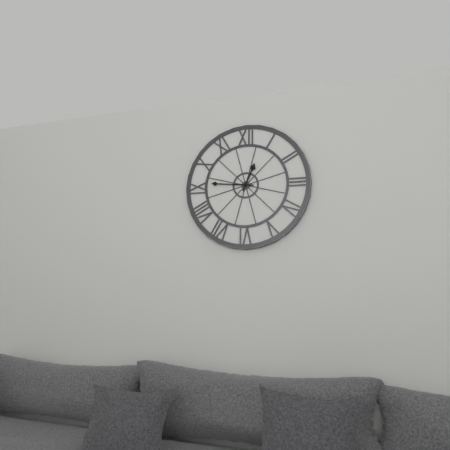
12,46
